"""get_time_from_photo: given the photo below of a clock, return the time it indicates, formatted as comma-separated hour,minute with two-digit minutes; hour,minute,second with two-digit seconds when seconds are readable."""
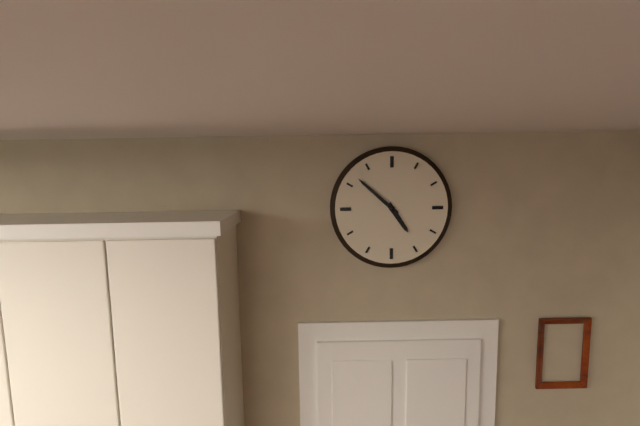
4,52
